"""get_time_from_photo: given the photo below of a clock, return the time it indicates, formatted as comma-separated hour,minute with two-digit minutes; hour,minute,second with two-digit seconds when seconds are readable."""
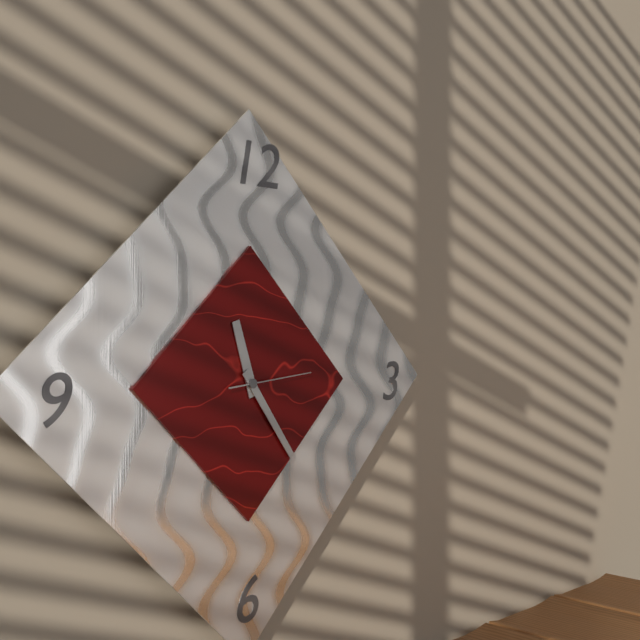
11,24,14
